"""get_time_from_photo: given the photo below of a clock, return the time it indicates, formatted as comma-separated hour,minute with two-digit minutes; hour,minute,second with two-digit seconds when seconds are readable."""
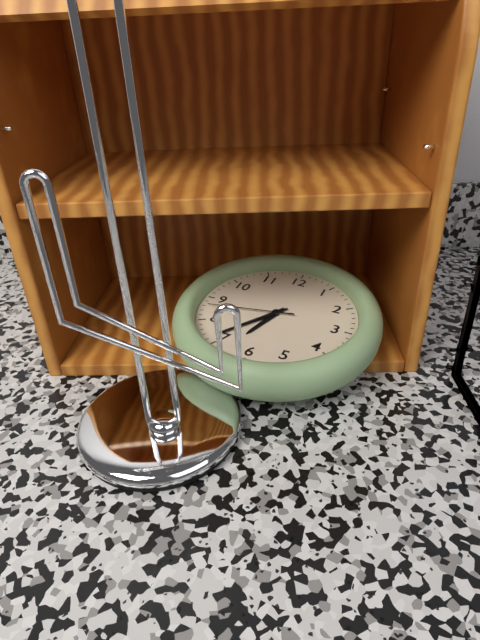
6,36,43
